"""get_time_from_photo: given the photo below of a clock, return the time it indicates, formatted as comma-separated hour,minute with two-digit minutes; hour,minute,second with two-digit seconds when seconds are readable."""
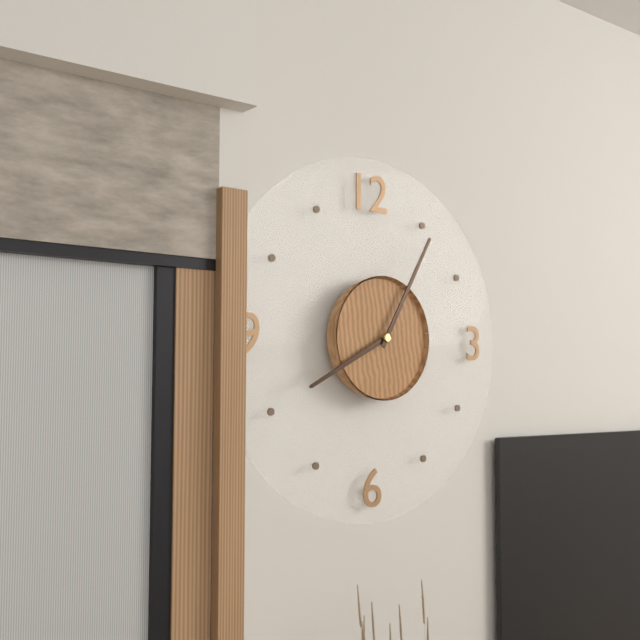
8,05
